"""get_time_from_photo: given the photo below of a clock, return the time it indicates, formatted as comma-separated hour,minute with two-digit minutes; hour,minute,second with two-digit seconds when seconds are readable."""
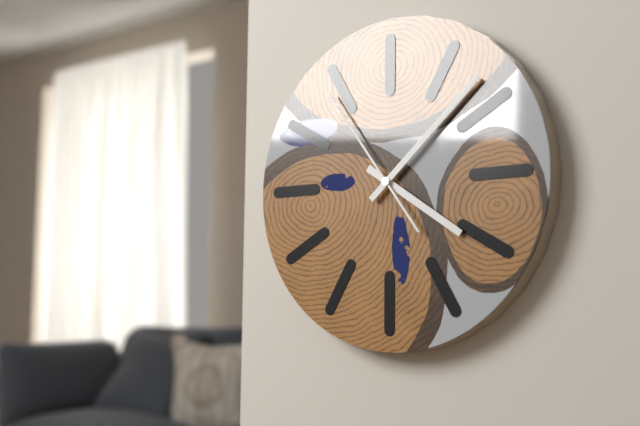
4,08,54
